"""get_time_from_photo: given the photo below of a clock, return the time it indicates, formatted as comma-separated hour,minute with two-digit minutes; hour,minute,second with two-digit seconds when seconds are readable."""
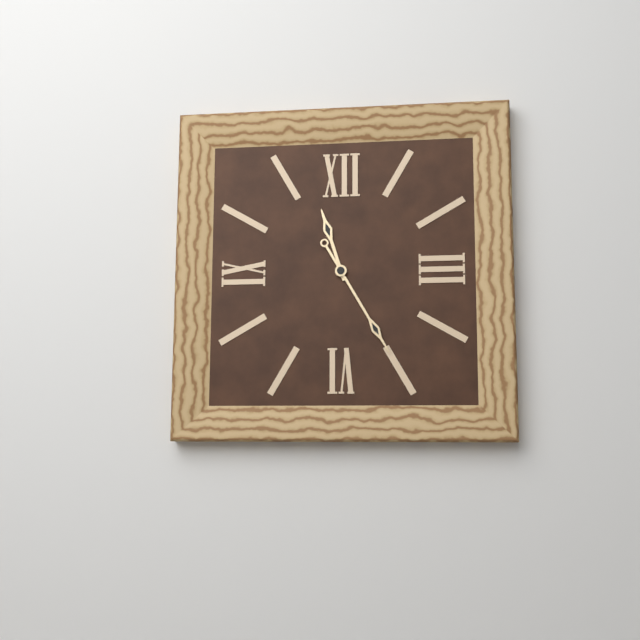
11,25
